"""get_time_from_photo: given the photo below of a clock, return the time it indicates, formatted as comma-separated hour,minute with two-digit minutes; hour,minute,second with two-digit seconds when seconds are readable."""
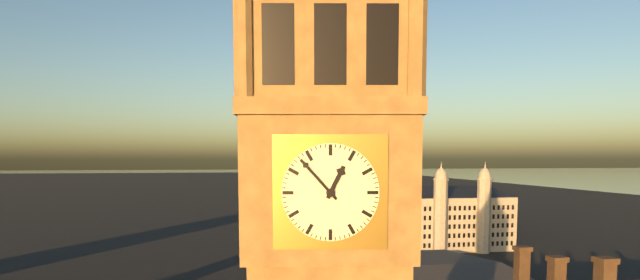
12,53
